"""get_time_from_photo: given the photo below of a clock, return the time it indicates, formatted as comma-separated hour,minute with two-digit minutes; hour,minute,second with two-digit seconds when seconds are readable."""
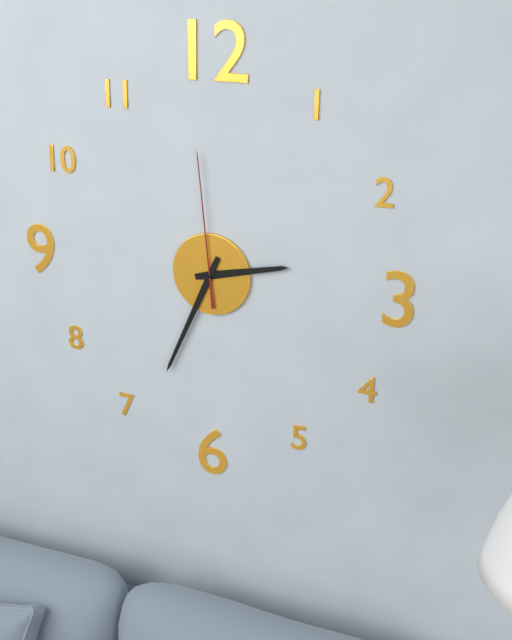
2,34,59
